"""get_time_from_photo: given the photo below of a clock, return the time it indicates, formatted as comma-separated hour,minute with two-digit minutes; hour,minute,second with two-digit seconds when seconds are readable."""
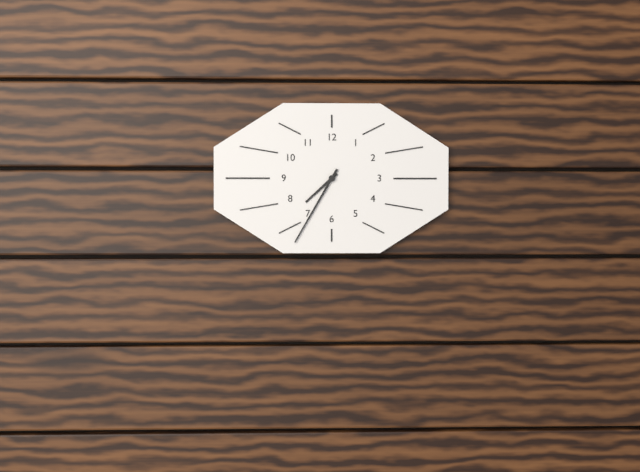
7,35
